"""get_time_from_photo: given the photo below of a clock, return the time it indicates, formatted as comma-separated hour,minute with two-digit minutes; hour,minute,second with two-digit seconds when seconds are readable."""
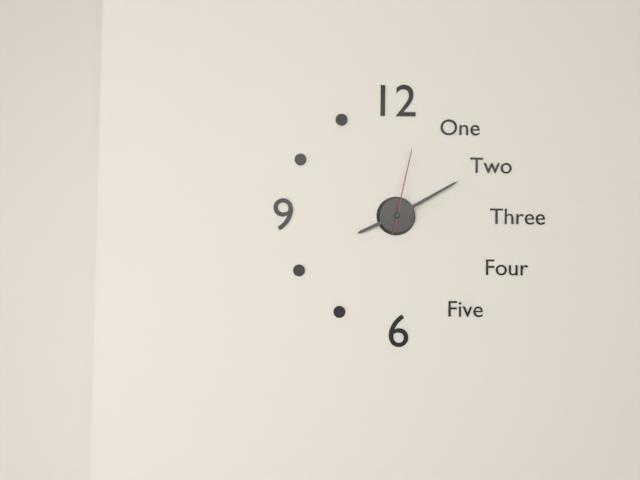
8,10,02
